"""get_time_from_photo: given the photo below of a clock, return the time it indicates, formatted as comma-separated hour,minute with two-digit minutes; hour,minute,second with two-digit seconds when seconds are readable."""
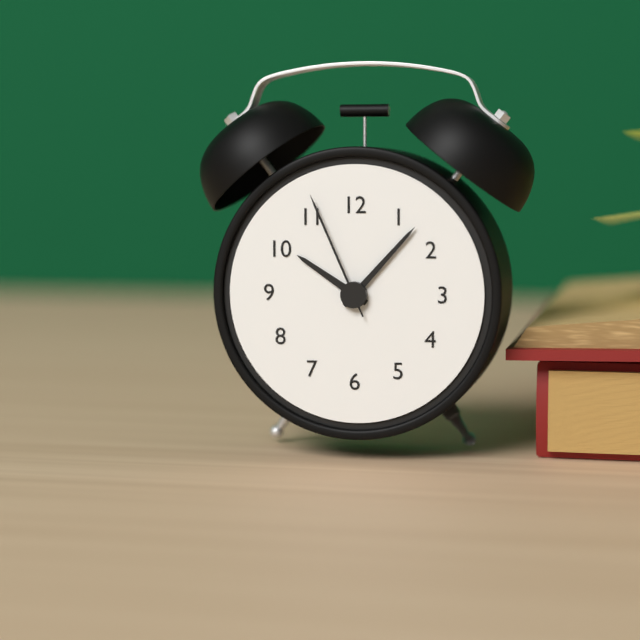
10,07,56
